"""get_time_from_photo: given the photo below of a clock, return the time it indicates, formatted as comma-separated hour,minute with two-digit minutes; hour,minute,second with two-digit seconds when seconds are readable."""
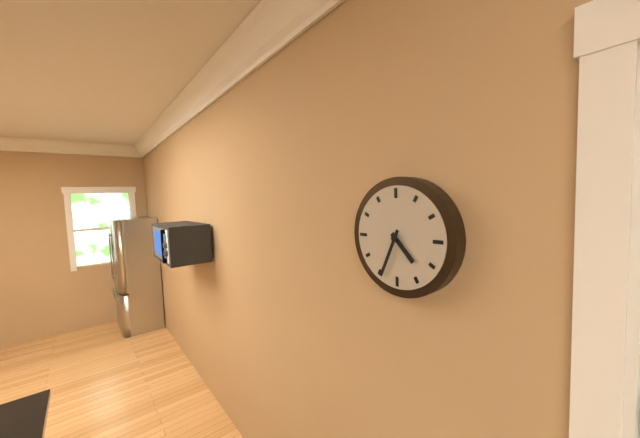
4,34
